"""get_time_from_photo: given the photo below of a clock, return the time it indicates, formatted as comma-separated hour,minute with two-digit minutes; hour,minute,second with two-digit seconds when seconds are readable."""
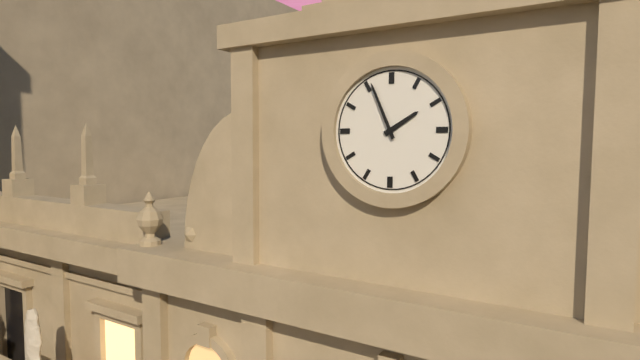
1,56
